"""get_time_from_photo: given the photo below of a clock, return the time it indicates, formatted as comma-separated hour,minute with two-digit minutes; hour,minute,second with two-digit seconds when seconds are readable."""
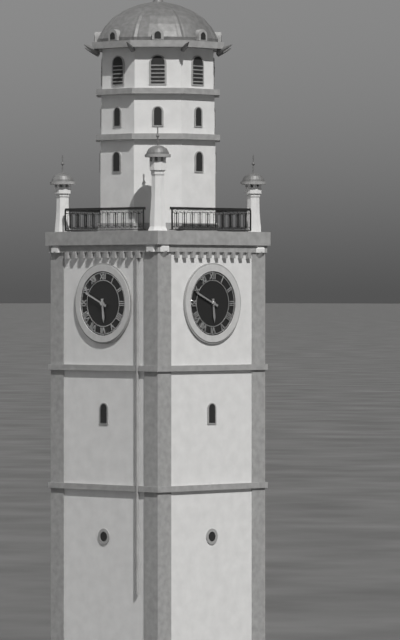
5,49
